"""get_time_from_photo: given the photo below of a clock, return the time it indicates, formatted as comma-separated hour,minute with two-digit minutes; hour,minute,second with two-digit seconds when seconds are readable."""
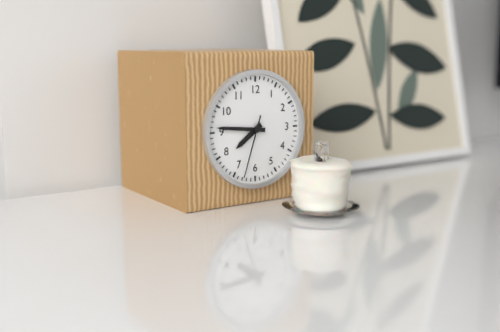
7,46,33
